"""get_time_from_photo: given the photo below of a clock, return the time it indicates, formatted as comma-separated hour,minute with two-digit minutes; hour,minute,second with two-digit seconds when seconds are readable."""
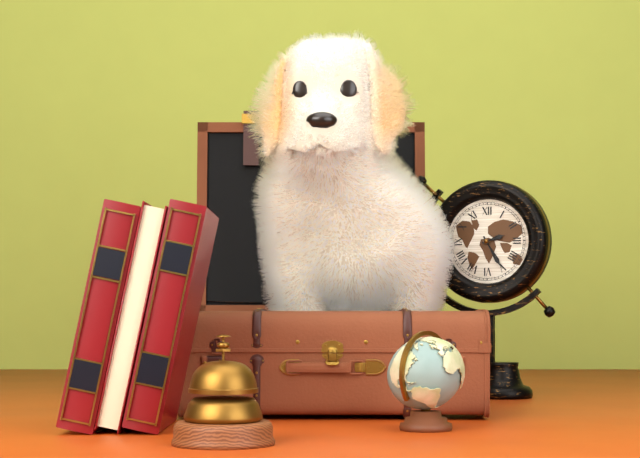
2,25
